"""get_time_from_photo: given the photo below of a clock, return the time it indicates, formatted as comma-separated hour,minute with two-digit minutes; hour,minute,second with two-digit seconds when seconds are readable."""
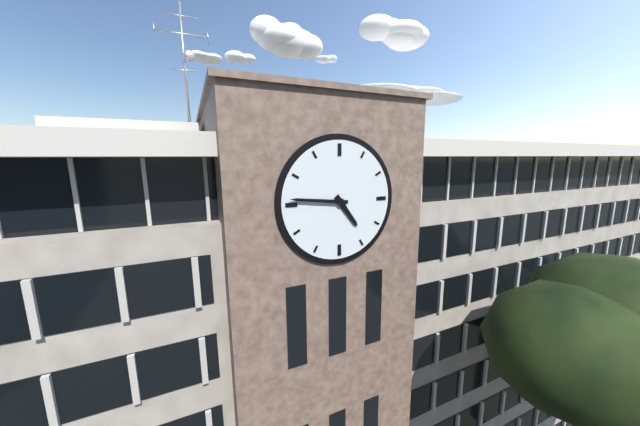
4,46
